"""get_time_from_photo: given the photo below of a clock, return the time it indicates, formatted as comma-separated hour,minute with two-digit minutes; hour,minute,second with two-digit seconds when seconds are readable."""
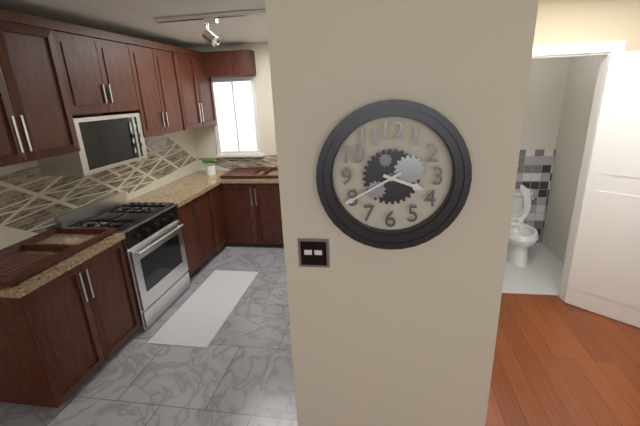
3,40
